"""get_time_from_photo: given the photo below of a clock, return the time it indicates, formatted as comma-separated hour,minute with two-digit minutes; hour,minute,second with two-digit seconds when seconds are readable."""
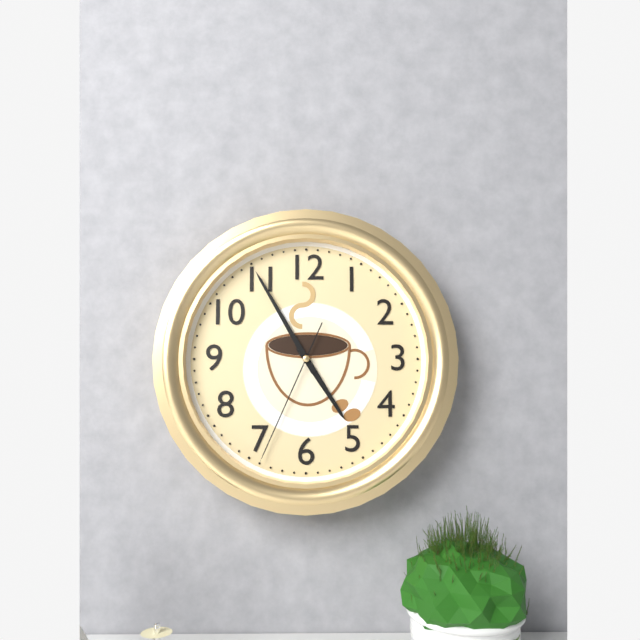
4,55,34
